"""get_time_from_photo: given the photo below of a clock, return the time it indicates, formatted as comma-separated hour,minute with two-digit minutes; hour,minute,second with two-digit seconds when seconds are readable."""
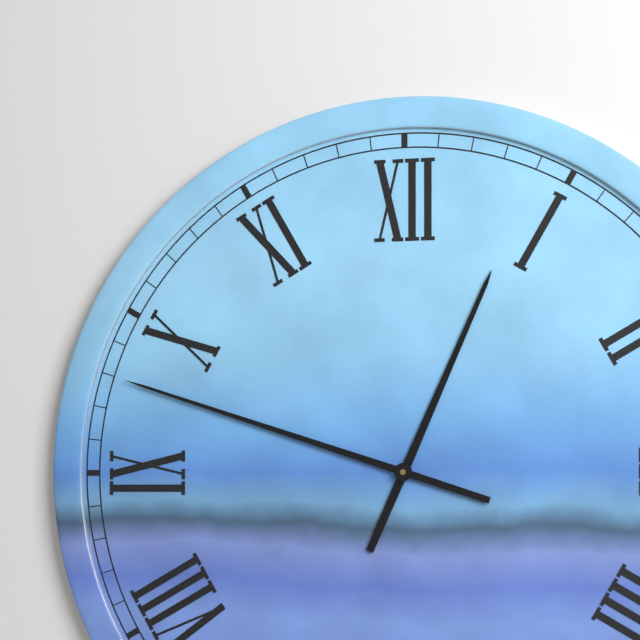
12,48
